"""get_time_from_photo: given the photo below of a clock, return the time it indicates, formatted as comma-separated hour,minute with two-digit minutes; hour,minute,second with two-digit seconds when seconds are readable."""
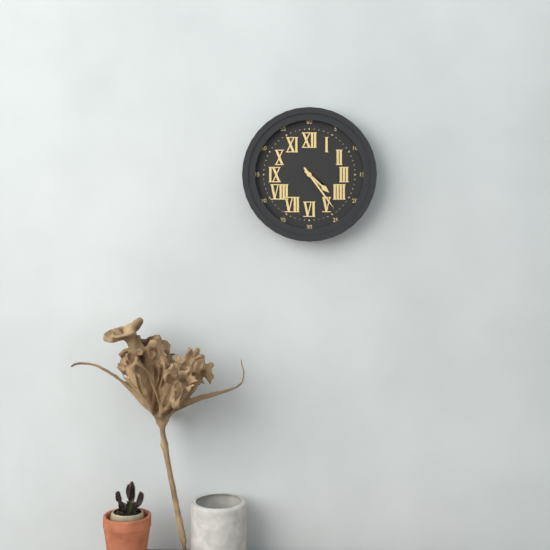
4,24
